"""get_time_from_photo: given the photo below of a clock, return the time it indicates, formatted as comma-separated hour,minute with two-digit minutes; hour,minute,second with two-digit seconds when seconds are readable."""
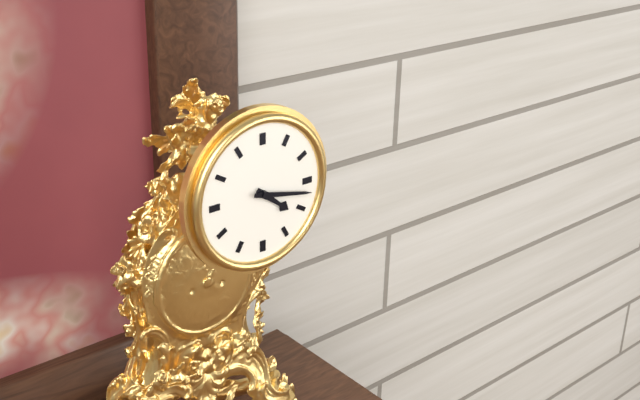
4,17
